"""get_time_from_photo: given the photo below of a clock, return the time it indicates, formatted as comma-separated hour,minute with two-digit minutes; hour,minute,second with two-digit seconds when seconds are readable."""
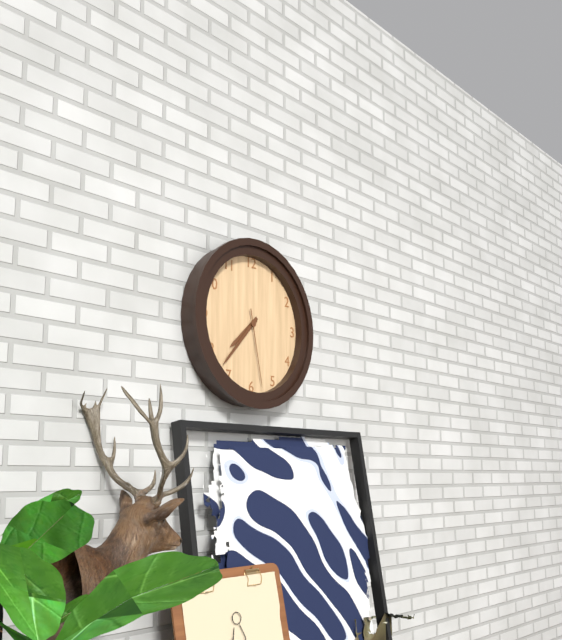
7,37,28
